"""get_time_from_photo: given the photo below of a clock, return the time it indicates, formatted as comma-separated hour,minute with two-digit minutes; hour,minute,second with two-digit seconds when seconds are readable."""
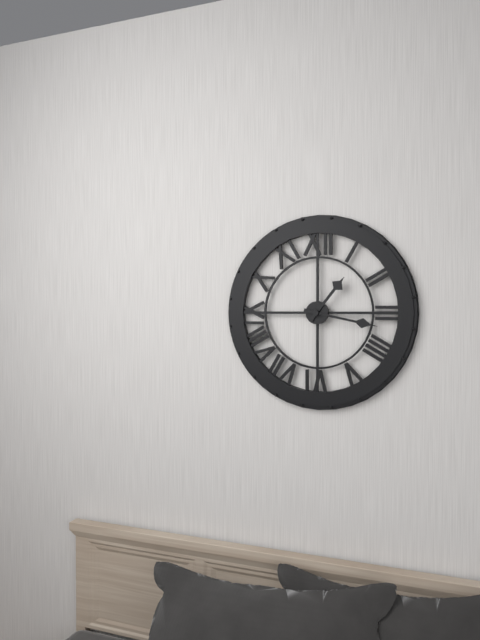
1,17
